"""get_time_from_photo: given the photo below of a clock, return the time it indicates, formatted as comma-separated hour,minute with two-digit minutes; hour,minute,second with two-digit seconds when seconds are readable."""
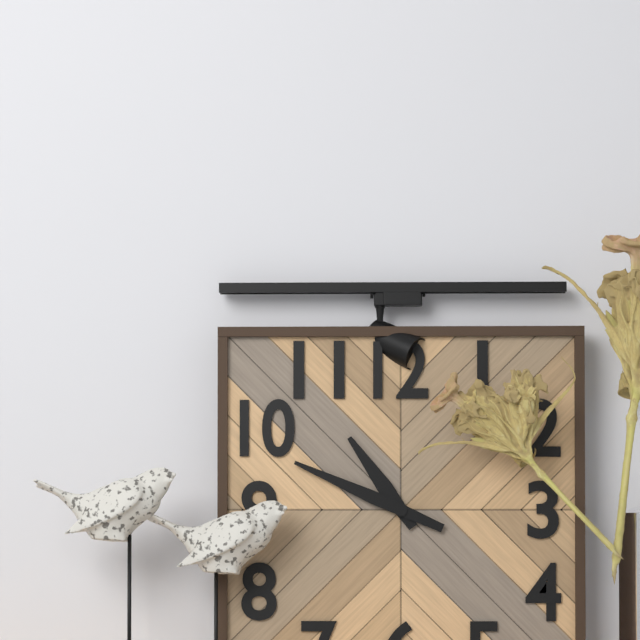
10,49
